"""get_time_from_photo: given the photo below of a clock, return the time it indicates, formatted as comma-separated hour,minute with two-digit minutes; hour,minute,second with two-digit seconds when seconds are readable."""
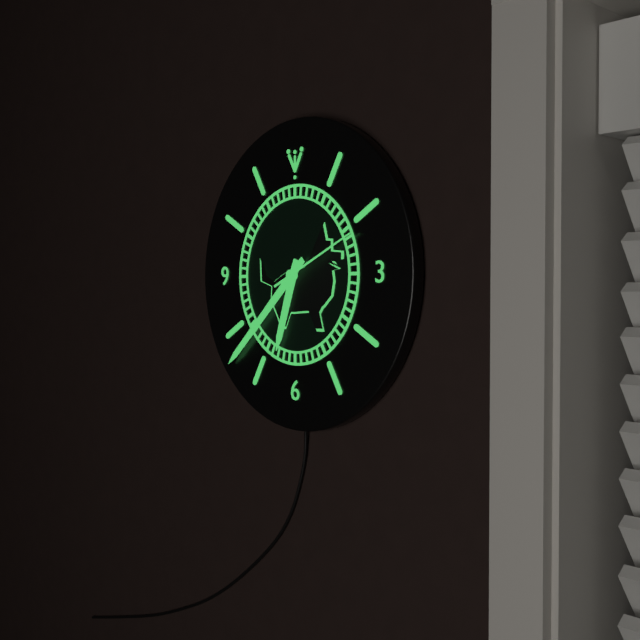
6,38,11
